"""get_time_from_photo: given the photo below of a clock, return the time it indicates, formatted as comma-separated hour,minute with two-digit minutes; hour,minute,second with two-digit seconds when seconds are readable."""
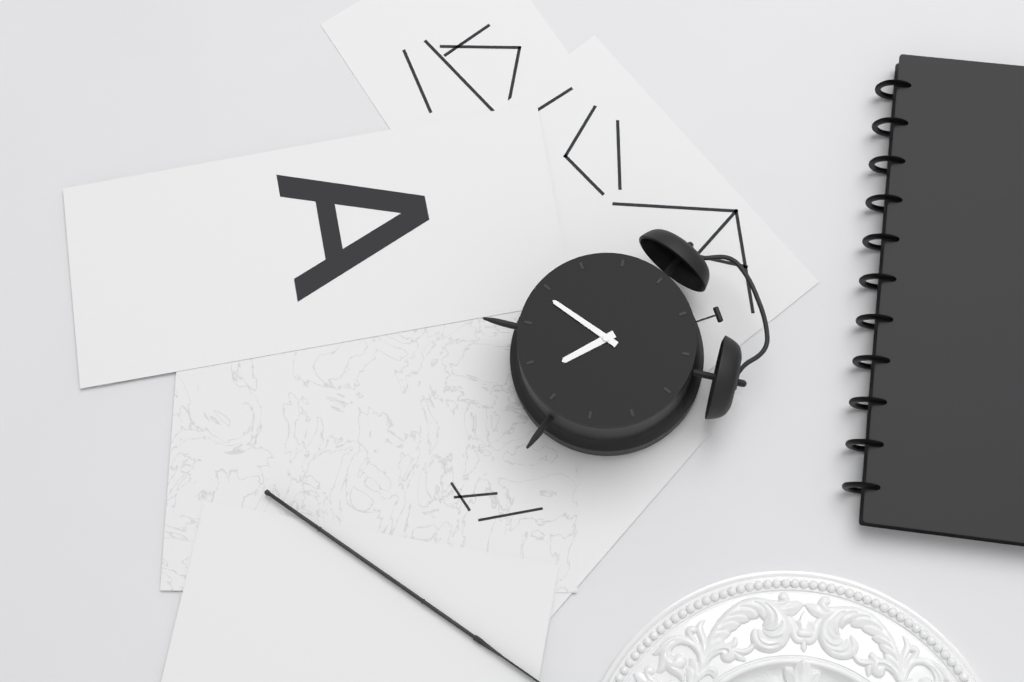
5,39
